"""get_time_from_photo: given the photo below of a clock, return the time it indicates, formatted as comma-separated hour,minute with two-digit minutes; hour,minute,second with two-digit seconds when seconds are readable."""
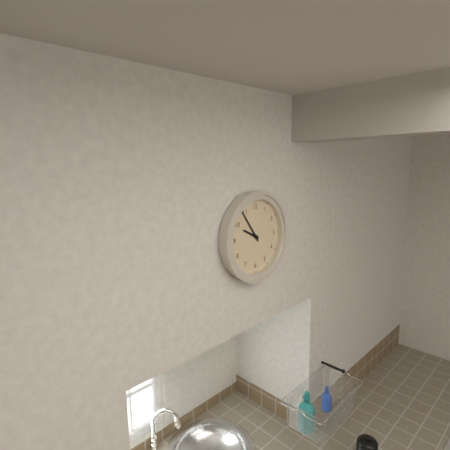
9,54
